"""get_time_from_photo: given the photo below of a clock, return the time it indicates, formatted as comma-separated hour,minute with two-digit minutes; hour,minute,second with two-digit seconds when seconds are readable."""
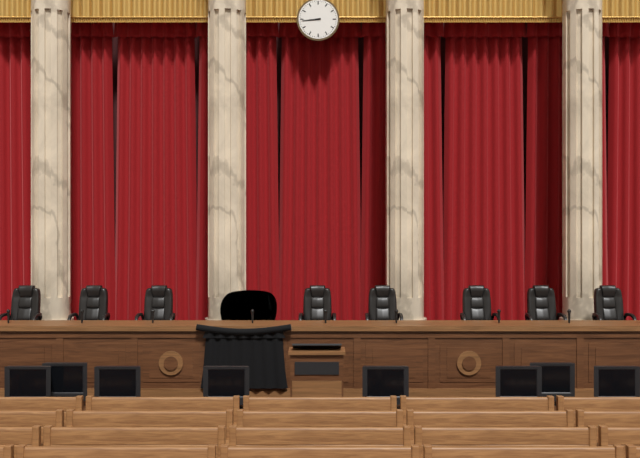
8,44
